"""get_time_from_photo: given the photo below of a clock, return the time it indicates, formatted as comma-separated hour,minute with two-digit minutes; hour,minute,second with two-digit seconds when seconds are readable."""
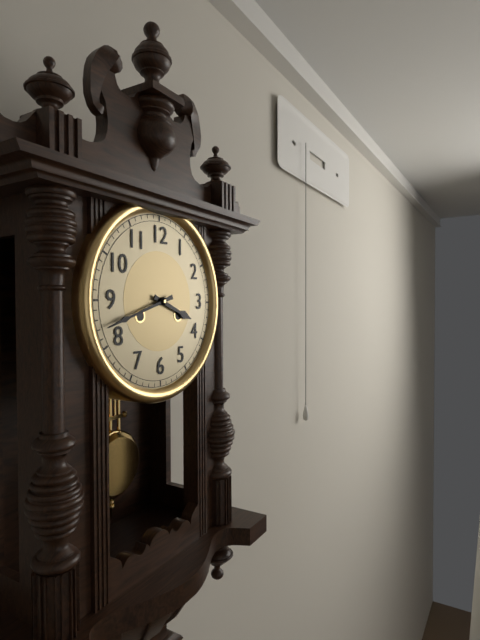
3,42
